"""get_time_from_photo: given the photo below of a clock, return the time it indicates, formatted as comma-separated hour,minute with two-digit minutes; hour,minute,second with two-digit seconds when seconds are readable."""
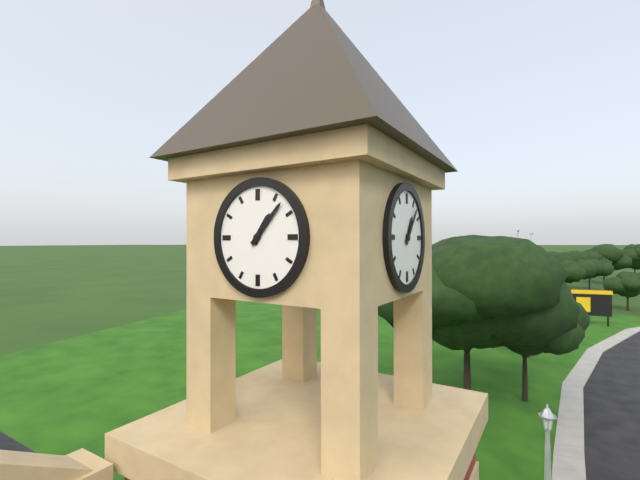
1,07
